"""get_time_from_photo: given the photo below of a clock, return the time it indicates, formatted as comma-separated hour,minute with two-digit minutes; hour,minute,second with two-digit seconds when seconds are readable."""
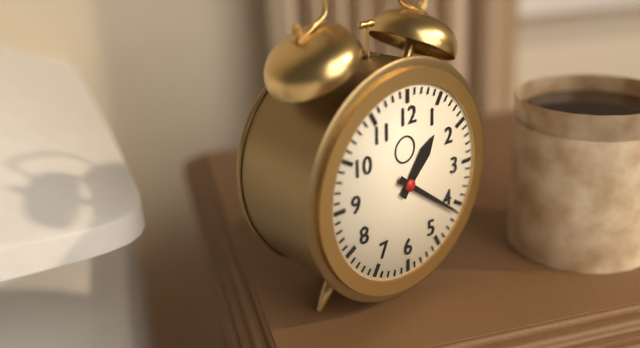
1,21
